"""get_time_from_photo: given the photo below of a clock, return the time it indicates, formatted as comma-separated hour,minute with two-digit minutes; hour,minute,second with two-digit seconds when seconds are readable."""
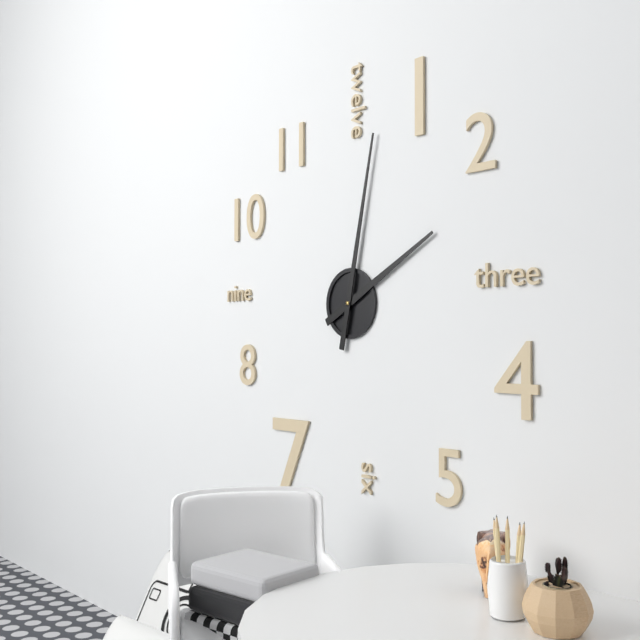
2,02
